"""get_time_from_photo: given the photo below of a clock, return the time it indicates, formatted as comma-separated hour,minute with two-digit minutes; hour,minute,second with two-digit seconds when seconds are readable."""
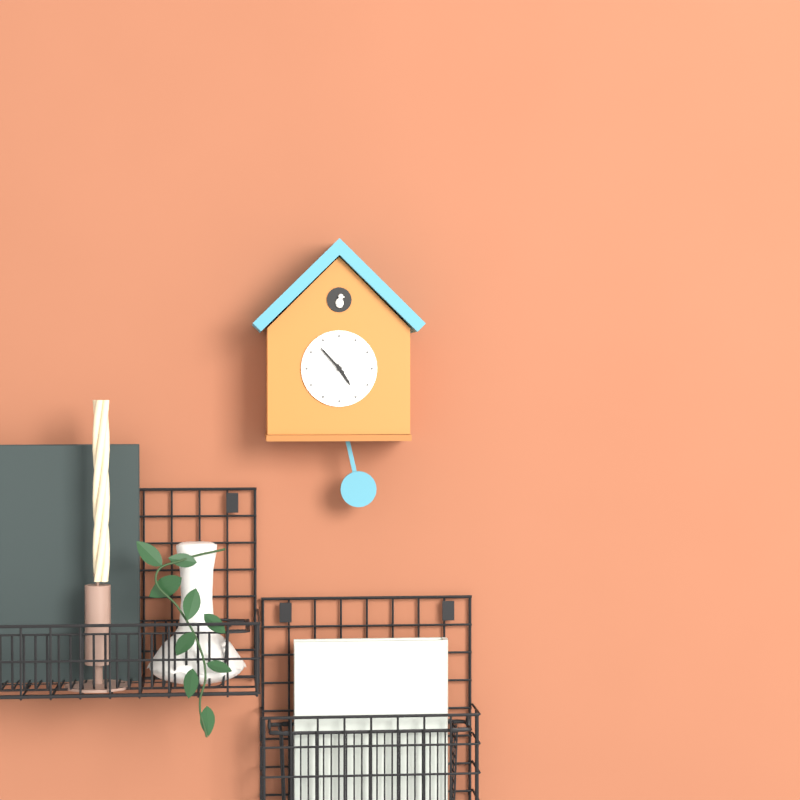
4,53
